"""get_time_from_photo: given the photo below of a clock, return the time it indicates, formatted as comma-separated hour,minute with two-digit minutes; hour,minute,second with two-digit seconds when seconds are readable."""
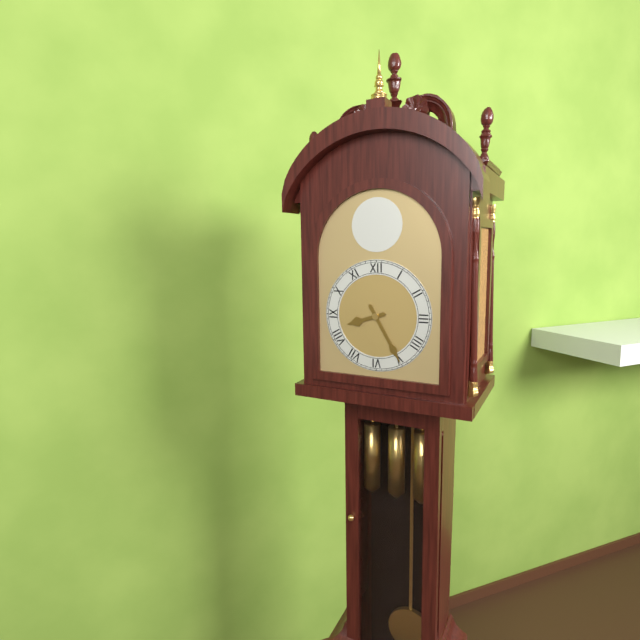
8,25
